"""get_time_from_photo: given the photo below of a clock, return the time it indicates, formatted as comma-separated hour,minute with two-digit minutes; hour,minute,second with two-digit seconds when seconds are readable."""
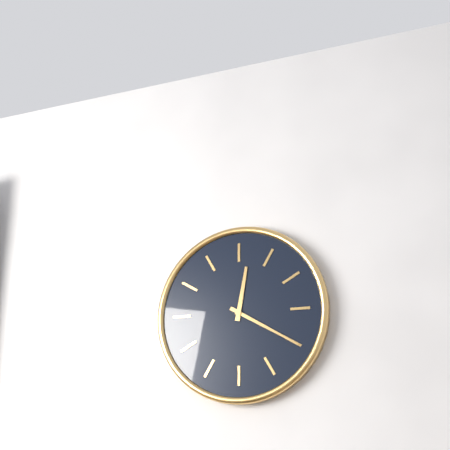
12,20
